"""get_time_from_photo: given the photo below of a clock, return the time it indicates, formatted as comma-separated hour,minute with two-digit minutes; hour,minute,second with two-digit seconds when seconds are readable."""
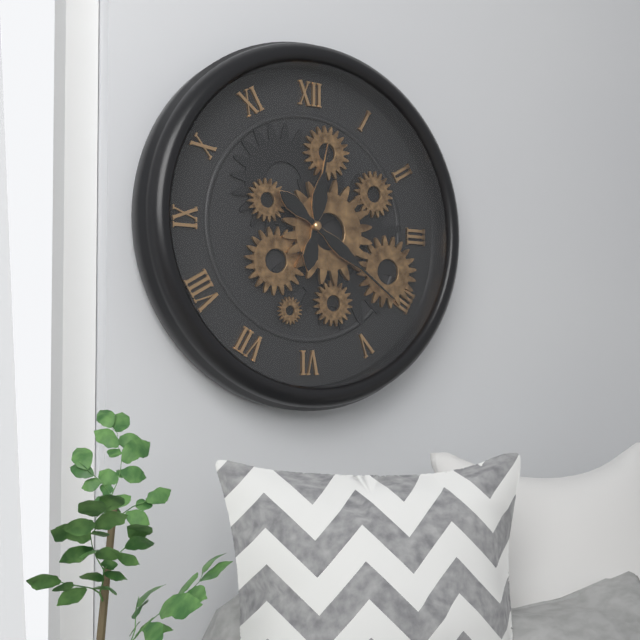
12,21
